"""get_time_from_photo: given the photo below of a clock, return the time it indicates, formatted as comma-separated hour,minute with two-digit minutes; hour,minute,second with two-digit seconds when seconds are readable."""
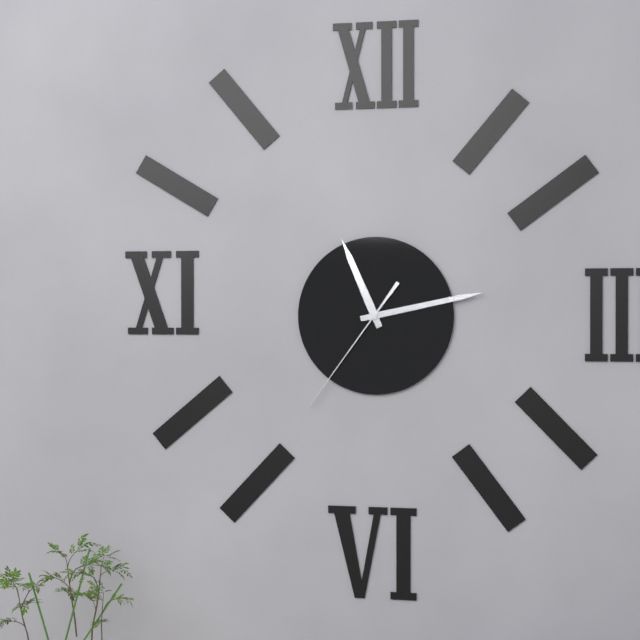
11,13,36
